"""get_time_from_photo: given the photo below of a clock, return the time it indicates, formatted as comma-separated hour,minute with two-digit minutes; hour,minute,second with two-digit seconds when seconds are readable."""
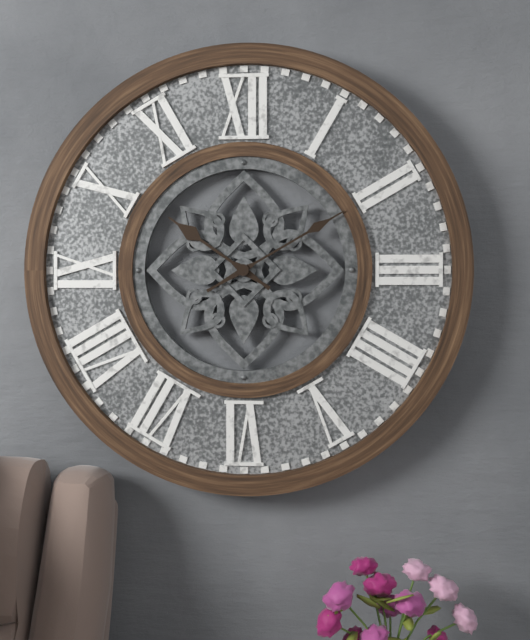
10,10
